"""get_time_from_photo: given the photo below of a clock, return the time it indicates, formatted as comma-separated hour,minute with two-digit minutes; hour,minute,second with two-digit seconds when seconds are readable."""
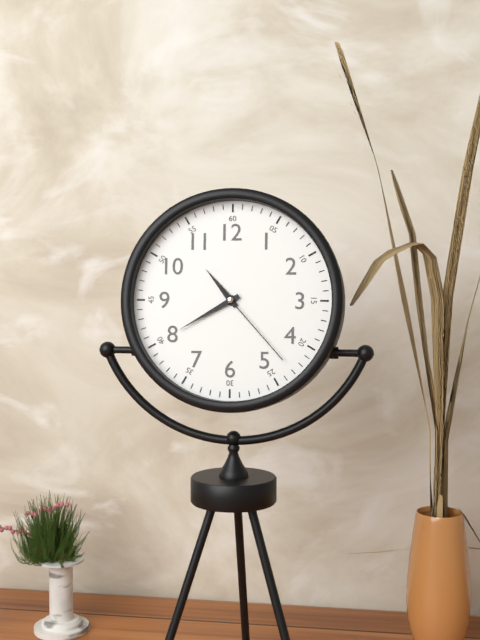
10,40,23
